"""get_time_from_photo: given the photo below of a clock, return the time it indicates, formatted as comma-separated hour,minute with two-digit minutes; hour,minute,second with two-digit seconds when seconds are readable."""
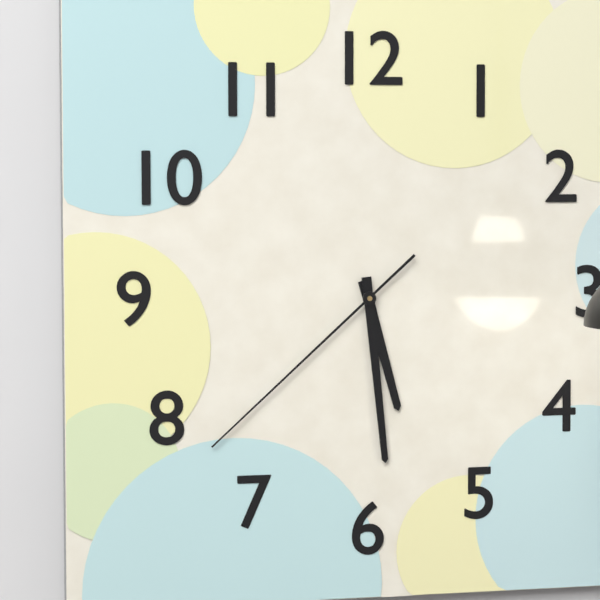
5,29,38
